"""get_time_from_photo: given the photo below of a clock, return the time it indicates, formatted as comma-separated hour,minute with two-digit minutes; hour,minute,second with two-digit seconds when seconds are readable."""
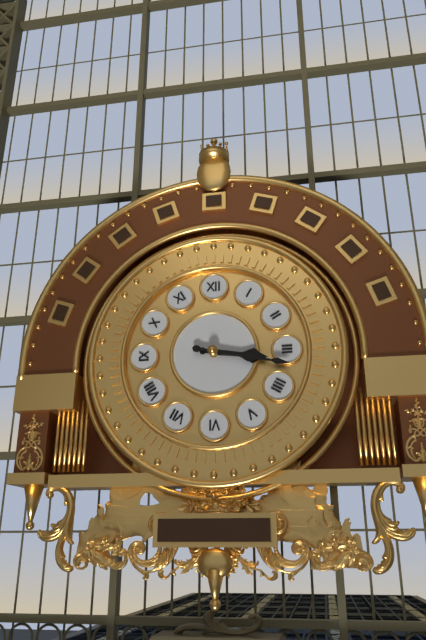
3,17
